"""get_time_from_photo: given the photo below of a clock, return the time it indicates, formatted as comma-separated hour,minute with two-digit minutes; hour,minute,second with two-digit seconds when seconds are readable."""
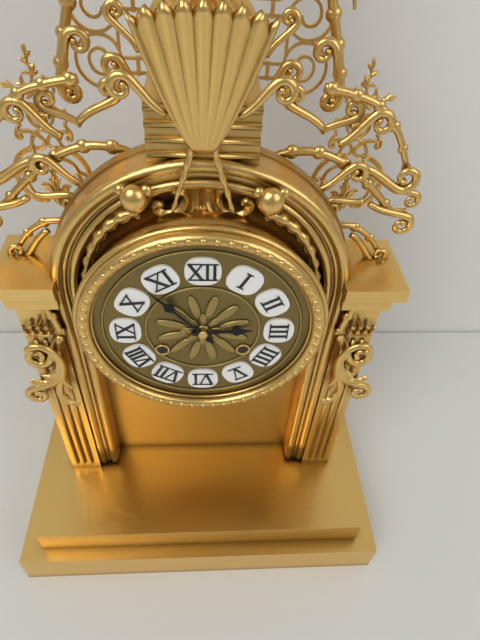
2,53
